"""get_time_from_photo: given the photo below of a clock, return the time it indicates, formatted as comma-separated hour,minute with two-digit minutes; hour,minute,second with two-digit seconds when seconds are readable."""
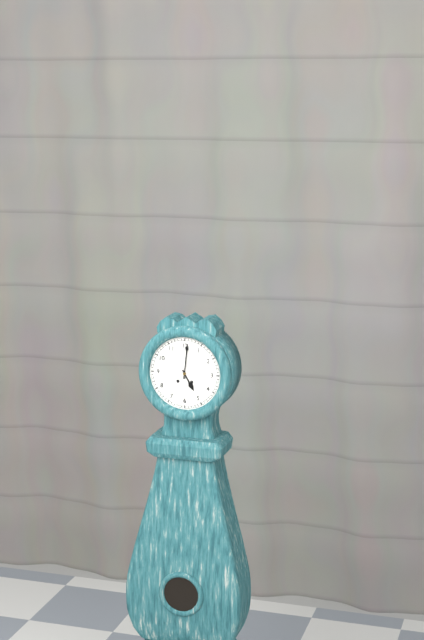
5,01
